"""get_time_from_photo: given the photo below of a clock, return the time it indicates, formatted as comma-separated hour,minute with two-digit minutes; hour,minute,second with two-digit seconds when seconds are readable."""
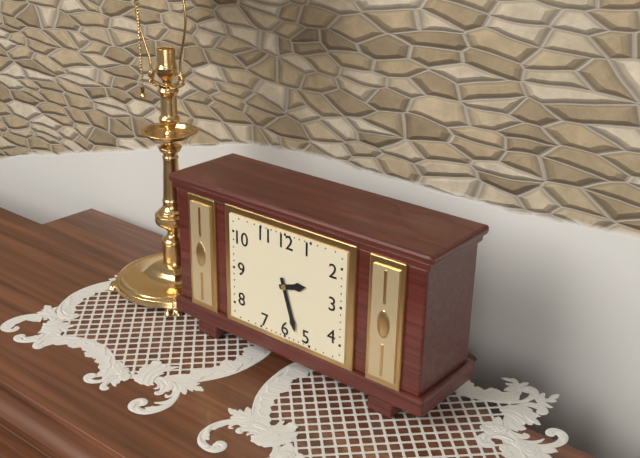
2,27
